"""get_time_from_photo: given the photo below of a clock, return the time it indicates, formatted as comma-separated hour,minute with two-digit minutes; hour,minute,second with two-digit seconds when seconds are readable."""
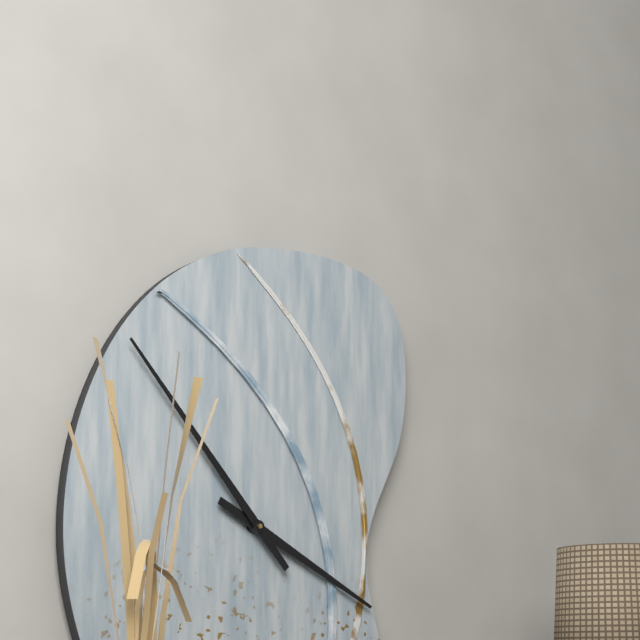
3,53
